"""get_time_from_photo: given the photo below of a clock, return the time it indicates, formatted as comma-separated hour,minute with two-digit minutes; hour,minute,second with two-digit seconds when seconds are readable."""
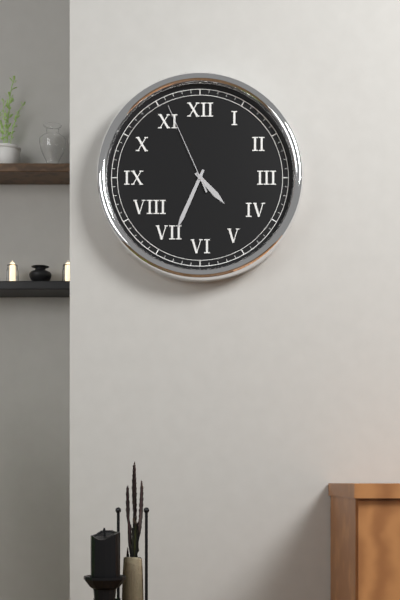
4,34,56
